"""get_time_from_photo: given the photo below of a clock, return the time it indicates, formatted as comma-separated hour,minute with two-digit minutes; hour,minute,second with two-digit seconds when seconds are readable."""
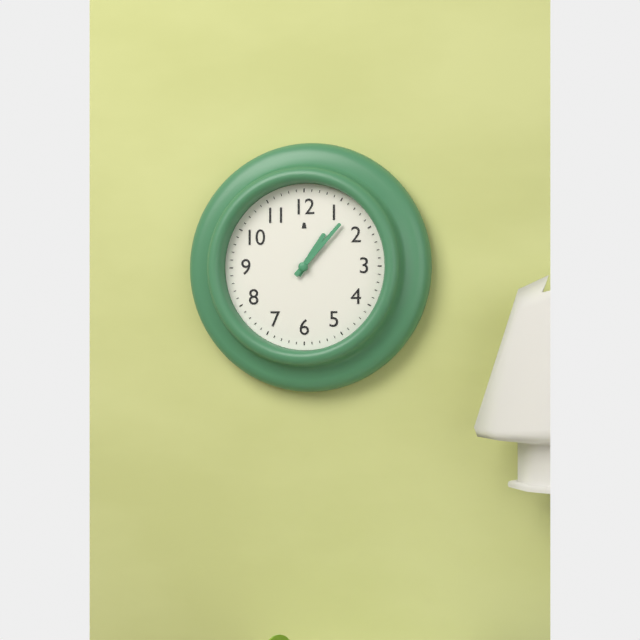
1,07
